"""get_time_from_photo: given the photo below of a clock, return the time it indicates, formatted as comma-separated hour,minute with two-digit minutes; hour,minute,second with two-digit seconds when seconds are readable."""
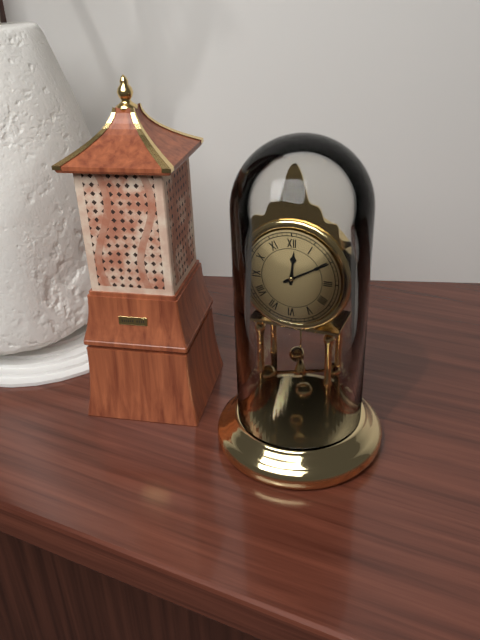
12,10
